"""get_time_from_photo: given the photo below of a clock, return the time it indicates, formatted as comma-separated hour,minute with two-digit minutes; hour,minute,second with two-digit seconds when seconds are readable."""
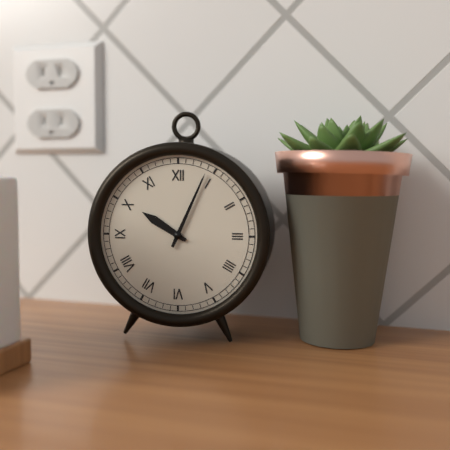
10,04
